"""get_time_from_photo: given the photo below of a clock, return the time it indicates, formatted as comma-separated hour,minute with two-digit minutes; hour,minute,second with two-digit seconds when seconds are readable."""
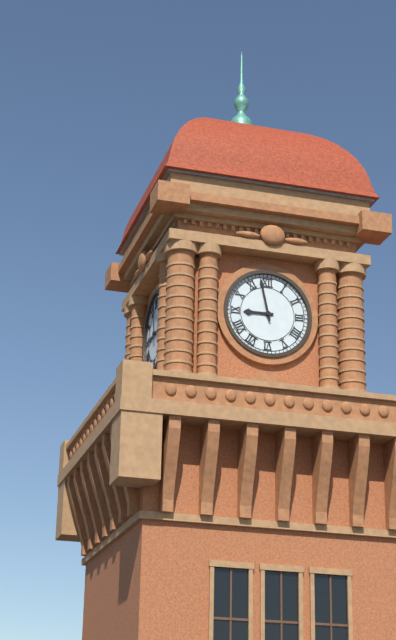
8,58
